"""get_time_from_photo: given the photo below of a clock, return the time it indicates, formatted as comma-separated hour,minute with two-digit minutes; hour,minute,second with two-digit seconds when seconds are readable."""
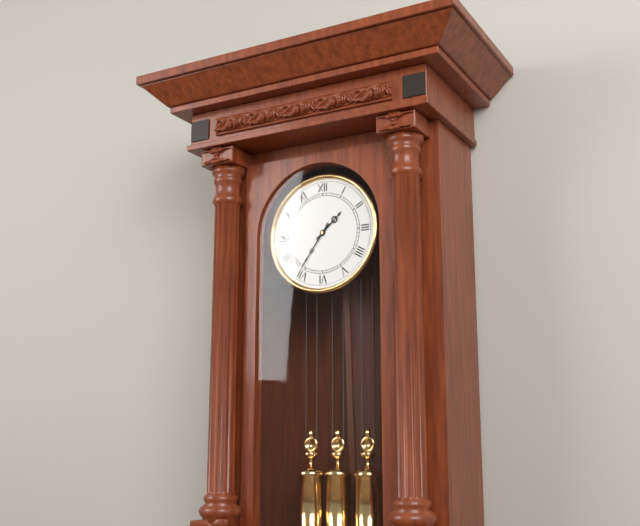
1,36
